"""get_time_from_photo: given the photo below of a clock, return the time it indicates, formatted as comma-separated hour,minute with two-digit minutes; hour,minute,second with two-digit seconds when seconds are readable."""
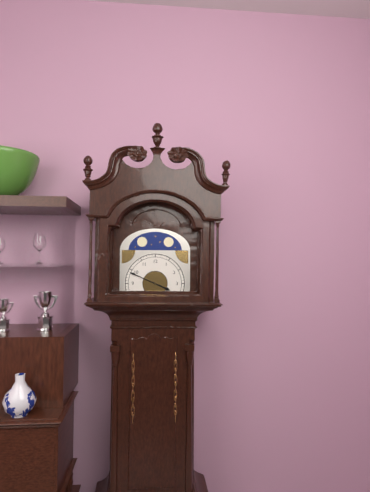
3,49
